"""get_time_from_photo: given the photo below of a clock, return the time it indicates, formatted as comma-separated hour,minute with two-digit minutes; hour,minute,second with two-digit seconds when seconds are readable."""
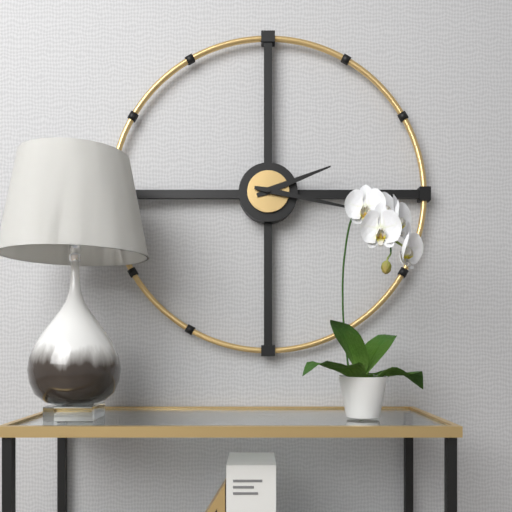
2,17
